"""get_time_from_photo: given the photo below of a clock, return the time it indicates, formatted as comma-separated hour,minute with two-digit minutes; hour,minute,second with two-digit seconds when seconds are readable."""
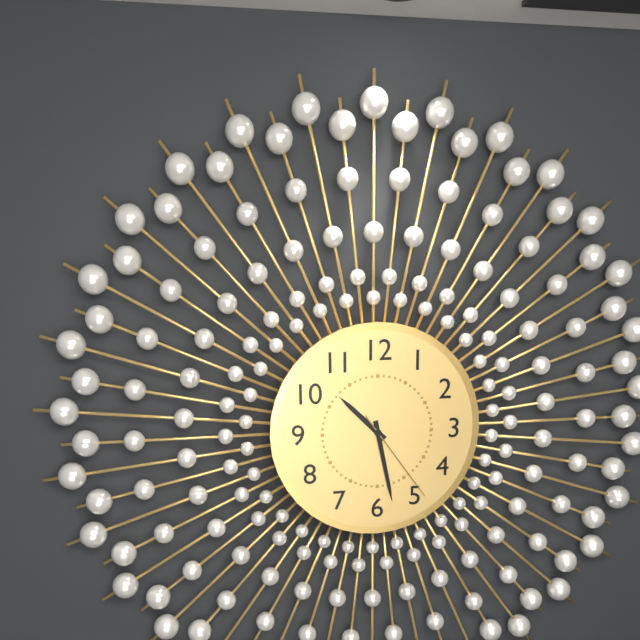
10,28,24
